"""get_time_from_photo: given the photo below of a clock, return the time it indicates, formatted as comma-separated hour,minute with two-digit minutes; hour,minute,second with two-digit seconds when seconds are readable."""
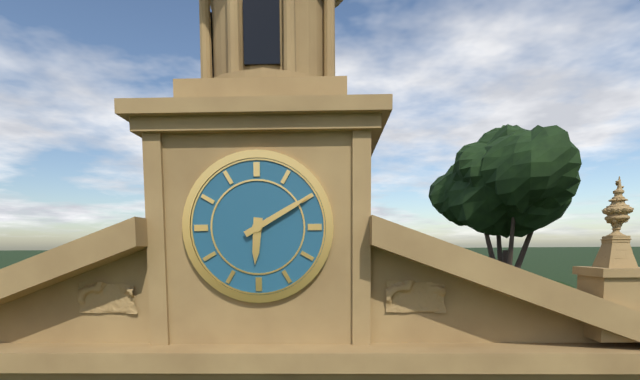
6,10
